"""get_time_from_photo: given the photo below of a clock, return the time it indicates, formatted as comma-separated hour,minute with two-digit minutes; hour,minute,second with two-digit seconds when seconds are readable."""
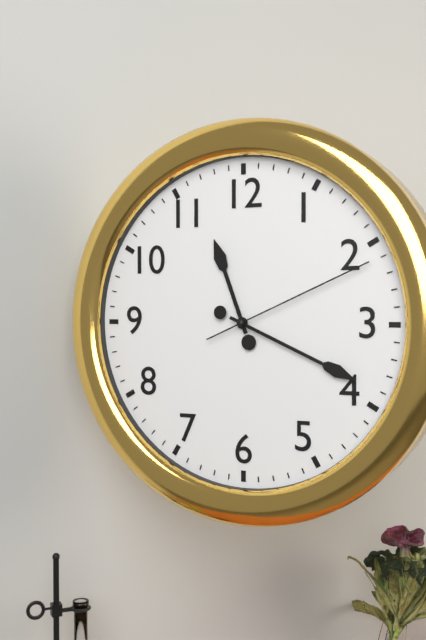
11,19,11
